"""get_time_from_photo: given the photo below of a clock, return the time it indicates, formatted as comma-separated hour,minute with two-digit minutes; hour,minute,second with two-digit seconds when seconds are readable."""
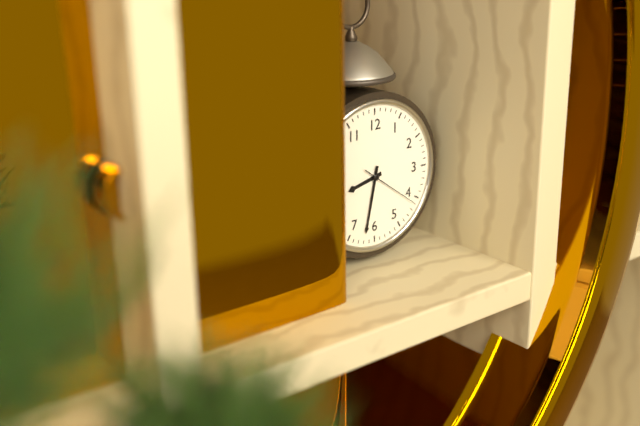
8,32,21
